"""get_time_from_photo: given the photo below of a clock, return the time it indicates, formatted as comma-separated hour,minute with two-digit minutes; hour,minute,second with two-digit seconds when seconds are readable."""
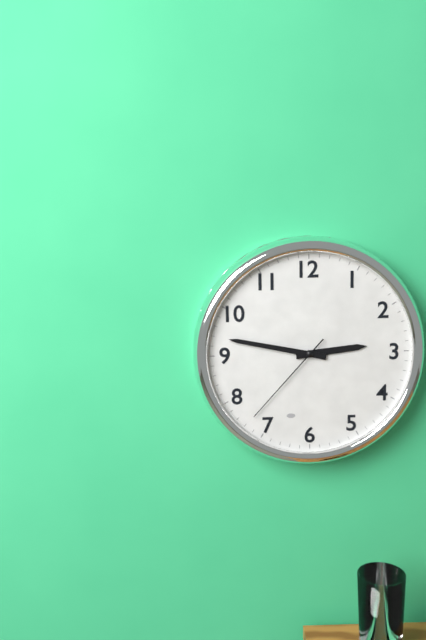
2,47,37
